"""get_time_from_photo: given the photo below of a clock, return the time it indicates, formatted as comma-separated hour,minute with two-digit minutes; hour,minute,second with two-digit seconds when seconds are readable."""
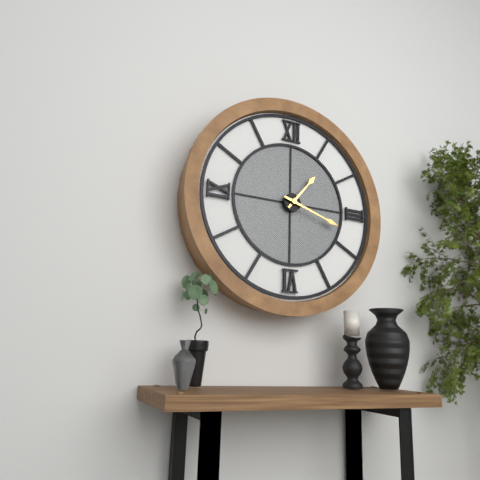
1,18
